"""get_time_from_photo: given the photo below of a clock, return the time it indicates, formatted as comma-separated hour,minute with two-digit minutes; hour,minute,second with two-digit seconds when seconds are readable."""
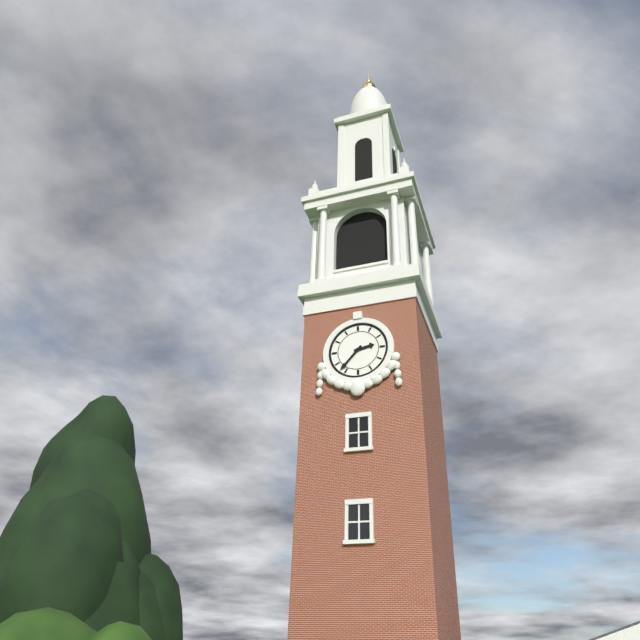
2,37
